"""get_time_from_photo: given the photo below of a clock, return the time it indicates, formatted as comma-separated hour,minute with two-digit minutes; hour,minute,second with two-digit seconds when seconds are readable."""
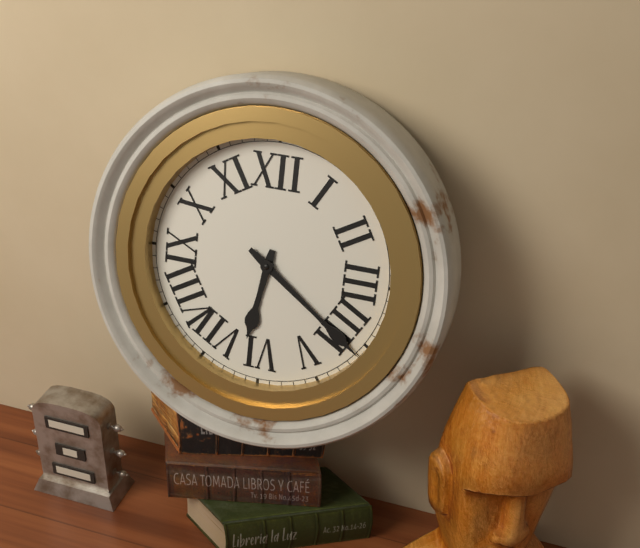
6,21
